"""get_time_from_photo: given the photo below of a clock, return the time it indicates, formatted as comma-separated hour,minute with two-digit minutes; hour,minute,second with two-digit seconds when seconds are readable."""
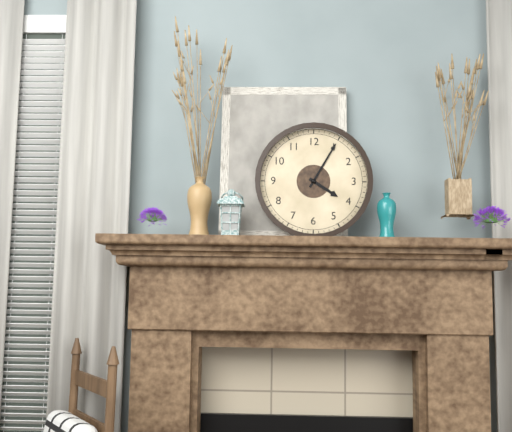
4,05
